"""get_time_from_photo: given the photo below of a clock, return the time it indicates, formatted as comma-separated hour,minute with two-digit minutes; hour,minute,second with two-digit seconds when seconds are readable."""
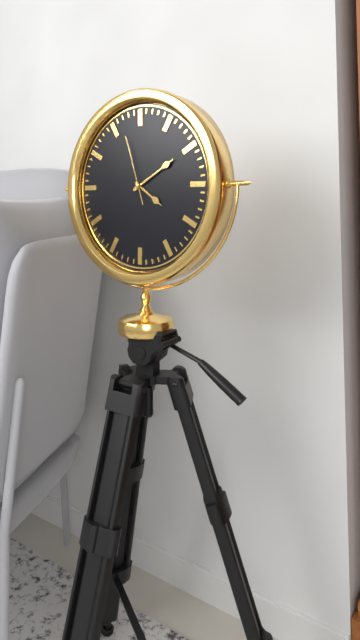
4,10,57
